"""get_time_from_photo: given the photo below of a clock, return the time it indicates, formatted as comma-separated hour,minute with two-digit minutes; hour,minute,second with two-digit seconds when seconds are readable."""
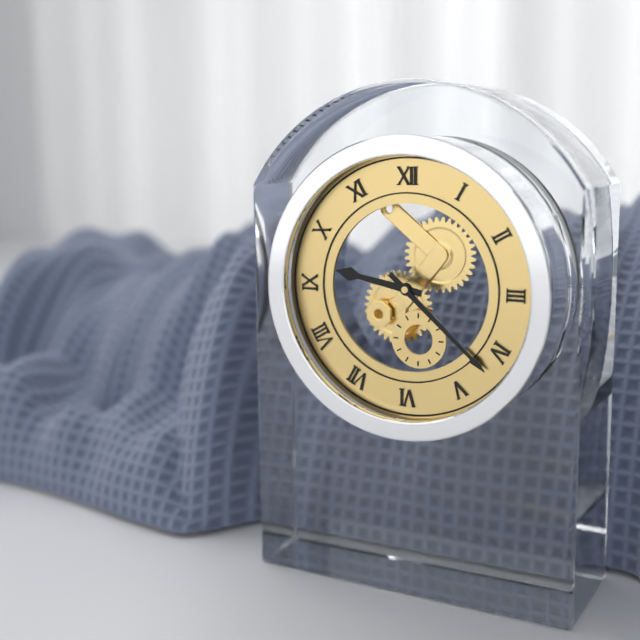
9,22
